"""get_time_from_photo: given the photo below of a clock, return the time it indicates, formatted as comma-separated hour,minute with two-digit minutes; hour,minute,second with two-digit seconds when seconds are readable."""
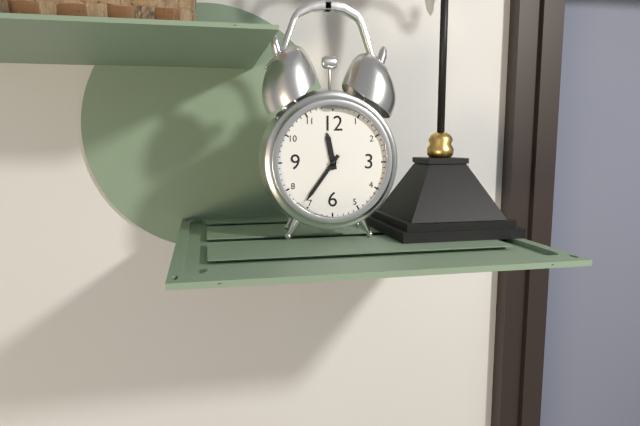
11,36
